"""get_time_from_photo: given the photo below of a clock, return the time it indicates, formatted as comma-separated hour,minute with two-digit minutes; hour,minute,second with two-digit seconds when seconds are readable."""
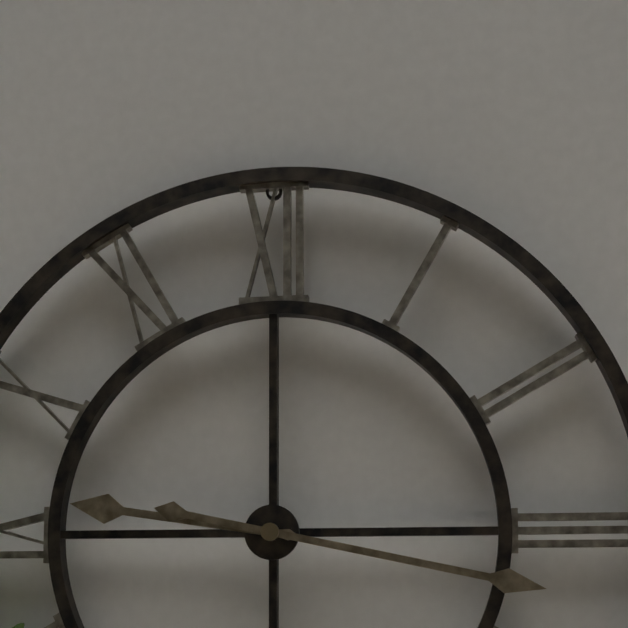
9,17
